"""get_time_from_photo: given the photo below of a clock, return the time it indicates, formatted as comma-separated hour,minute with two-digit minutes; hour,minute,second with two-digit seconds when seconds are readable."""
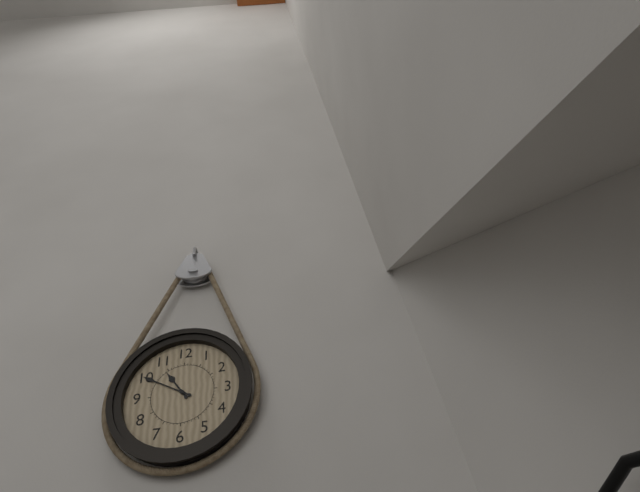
10,50
